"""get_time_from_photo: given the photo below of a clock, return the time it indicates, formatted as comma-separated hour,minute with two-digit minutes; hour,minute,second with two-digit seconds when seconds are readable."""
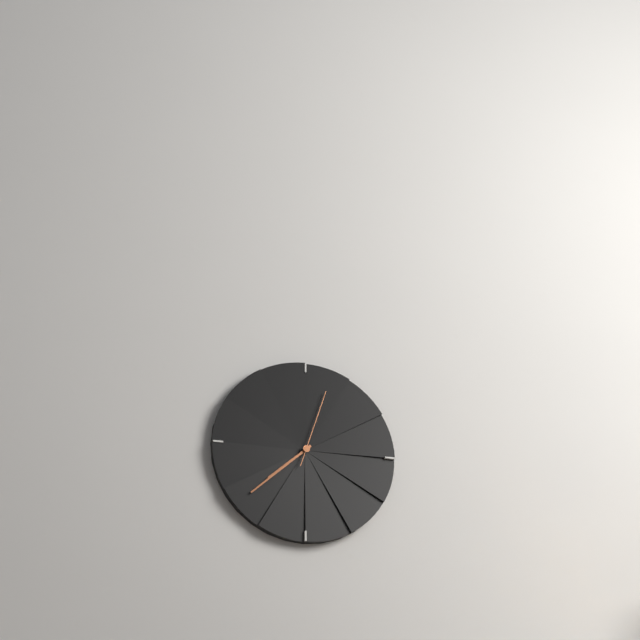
7,38,03
